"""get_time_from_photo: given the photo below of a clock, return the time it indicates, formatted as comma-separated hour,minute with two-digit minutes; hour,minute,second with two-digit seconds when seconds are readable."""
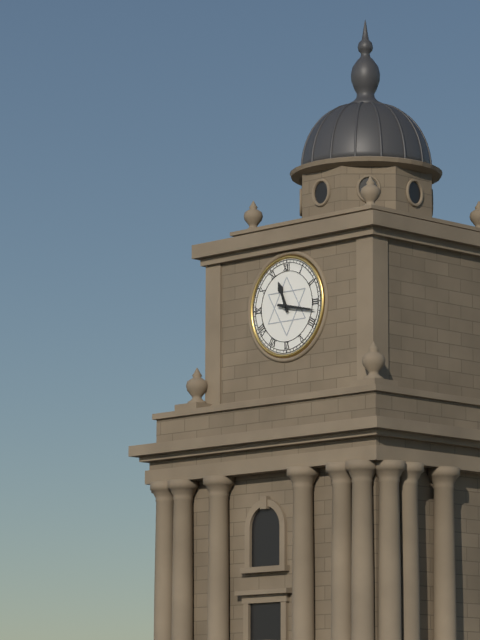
11,17
